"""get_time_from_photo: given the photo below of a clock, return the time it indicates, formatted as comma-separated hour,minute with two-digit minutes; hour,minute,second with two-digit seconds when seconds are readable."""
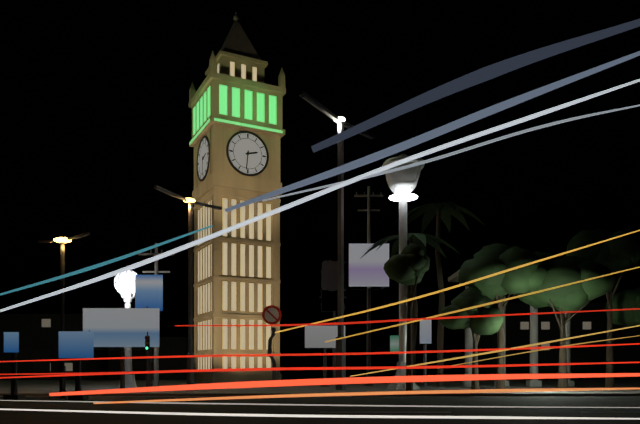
2,31
